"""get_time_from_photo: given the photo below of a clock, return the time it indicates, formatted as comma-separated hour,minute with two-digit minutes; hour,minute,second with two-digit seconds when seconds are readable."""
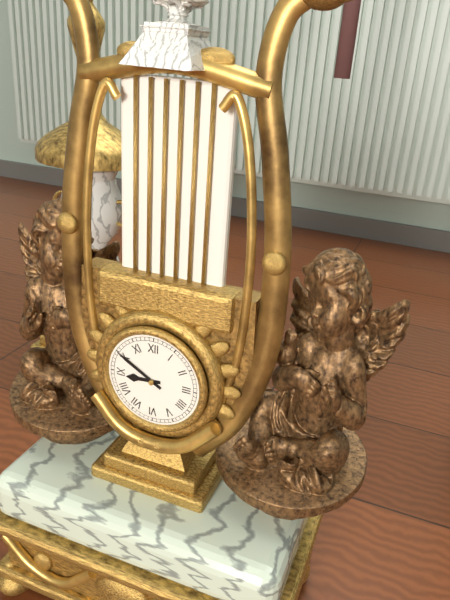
8,50
